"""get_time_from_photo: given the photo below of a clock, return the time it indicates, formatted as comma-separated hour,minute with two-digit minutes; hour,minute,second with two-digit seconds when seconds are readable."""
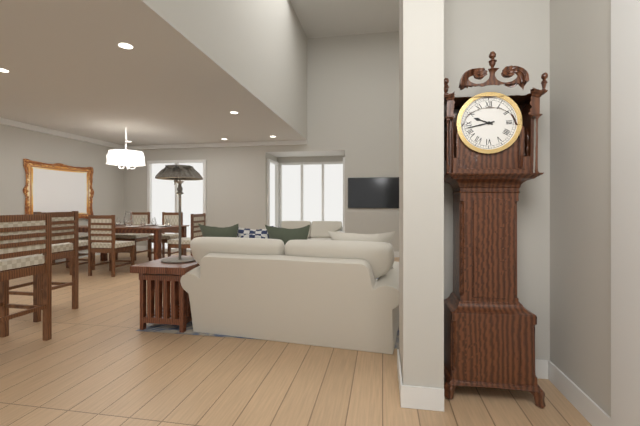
9,43
